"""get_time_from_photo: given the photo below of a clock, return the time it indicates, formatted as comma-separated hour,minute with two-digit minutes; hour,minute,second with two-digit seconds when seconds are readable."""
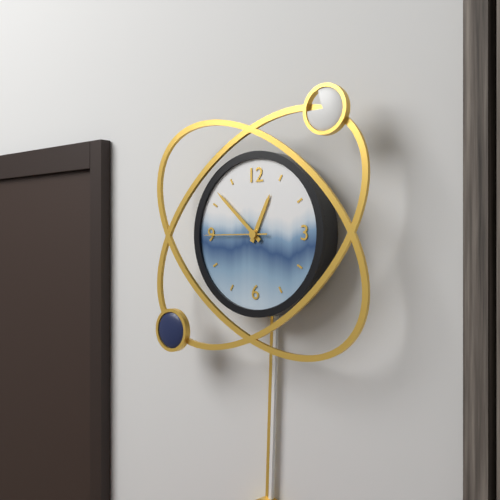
12,52,45
